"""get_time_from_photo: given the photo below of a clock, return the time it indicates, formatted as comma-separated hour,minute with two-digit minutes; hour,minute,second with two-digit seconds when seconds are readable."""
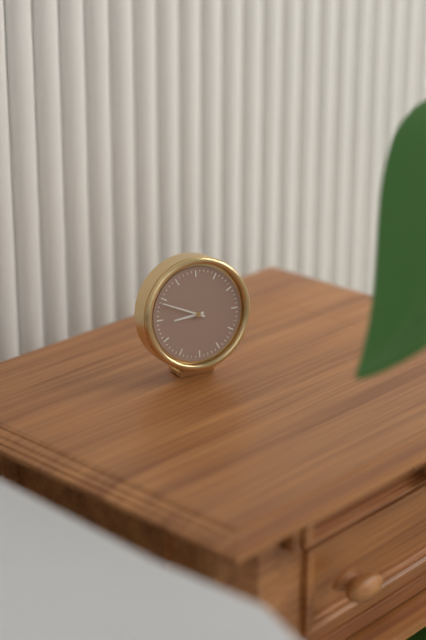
8,49
